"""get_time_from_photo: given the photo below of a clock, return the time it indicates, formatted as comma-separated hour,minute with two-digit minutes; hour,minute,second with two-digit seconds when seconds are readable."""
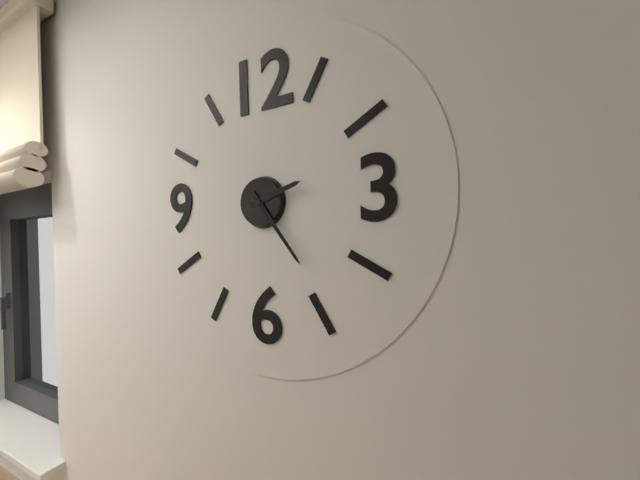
2,24
